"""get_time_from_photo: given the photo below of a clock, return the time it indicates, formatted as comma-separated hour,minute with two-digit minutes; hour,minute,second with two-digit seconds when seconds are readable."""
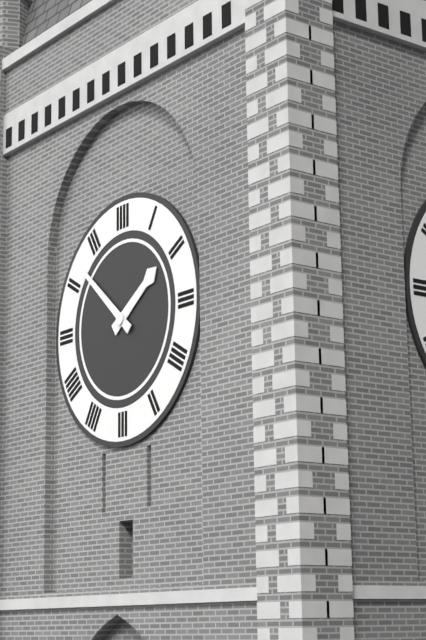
1,52
